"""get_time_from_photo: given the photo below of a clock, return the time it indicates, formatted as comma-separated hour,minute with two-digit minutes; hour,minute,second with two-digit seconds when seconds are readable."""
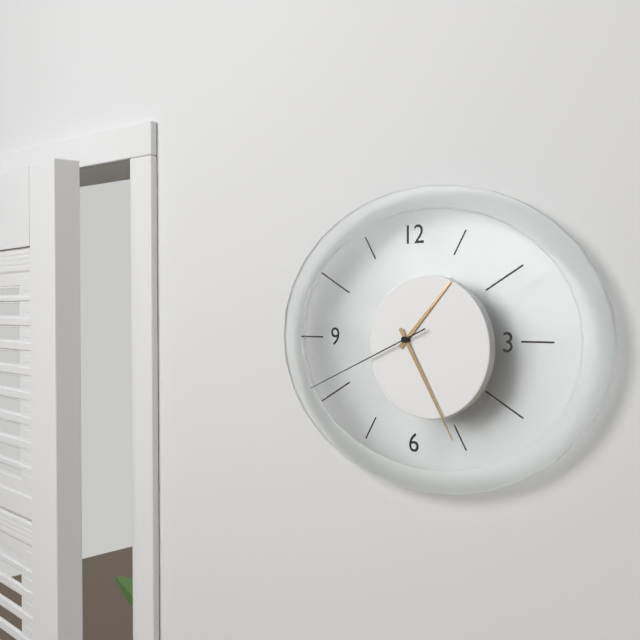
1,25,41
